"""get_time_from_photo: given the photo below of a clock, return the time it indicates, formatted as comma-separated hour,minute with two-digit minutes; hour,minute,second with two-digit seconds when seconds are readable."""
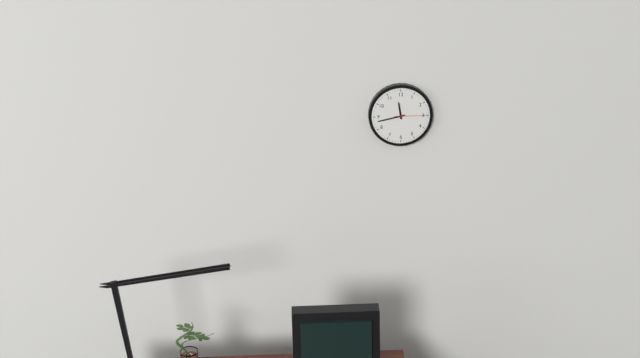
11,43
